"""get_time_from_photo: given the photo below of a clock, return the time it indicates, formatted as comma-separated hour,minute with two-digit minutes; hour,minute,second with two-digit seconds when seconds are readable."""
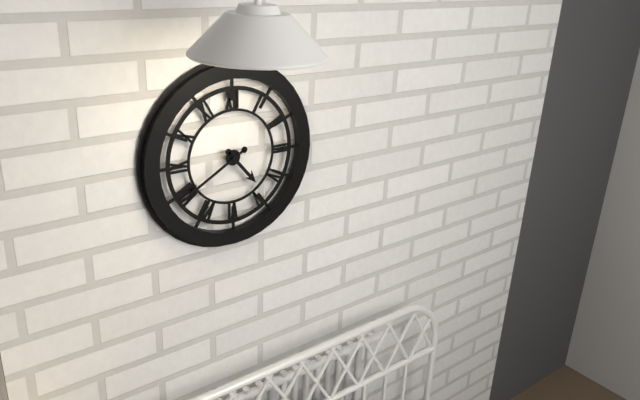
4,40
